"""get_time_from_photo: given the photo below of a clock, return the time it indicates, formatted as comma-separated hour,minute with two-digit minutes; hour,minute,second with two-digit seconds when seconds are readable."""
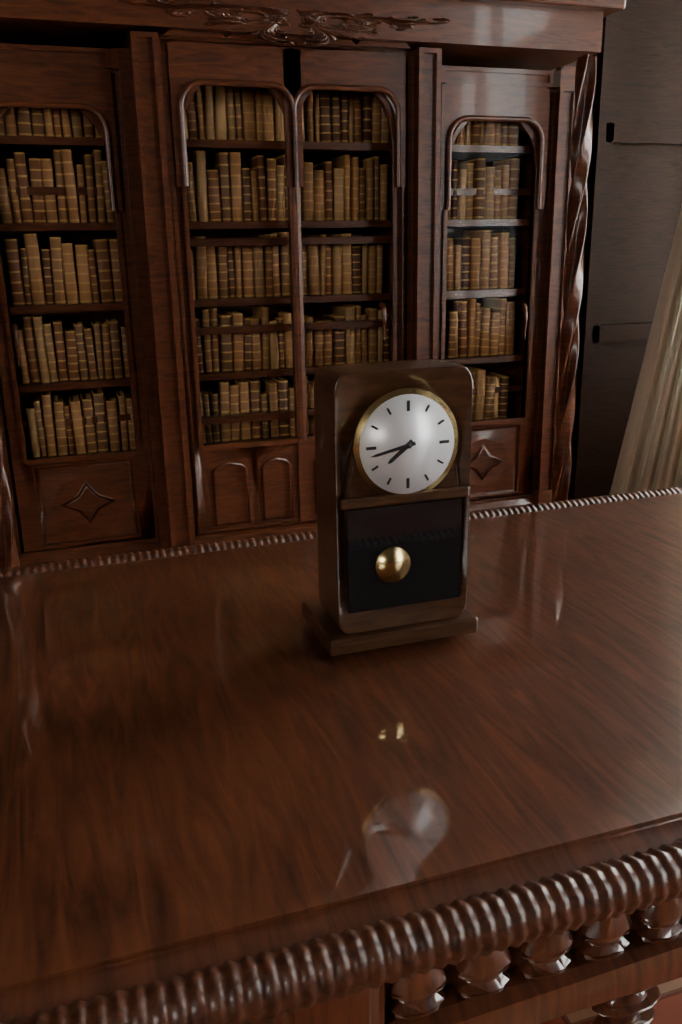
7,43
